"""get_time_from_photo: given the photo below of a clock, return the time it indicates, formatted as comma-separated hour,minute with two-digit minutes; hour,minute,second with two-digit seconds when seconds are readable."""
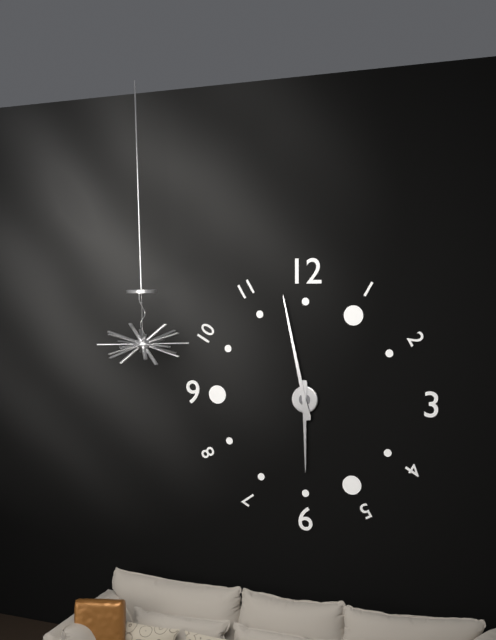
5,58
